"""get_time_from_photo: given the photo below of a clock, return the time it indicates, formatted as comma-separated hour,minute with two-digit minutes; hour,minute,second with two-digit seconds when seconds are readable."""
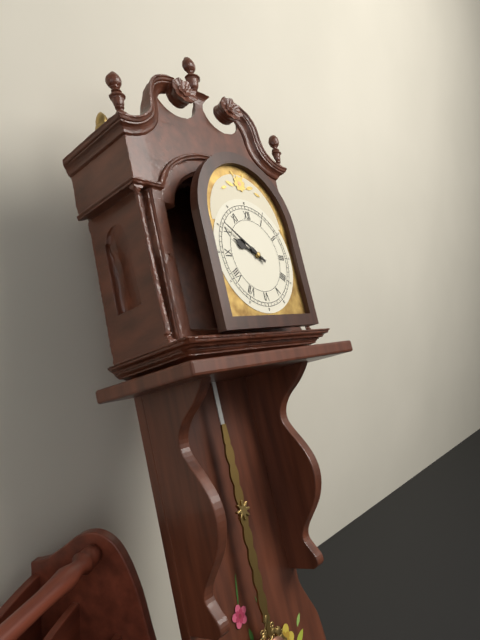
9,51
